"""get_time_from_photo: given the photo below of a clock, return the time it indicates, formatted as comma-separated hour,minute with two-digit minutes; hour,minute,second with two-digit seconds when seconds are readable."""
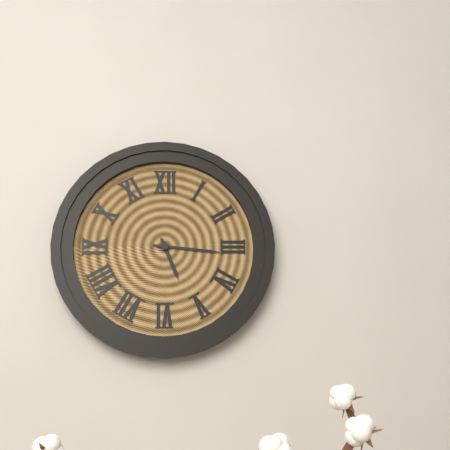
5,16
